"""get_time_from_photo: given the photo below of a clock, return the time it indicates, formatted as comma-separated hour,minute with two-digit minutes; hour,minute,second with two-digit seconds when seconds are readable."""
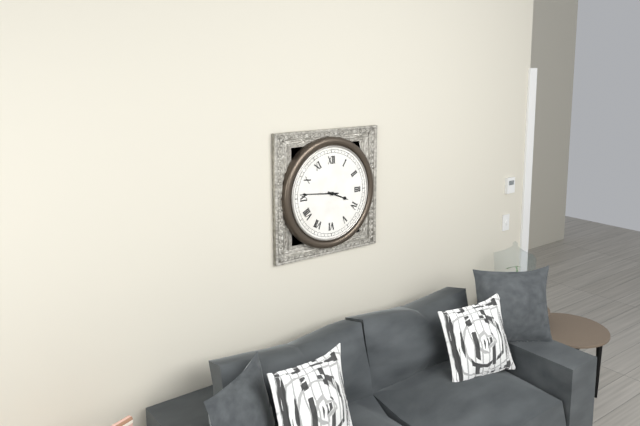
3,46
